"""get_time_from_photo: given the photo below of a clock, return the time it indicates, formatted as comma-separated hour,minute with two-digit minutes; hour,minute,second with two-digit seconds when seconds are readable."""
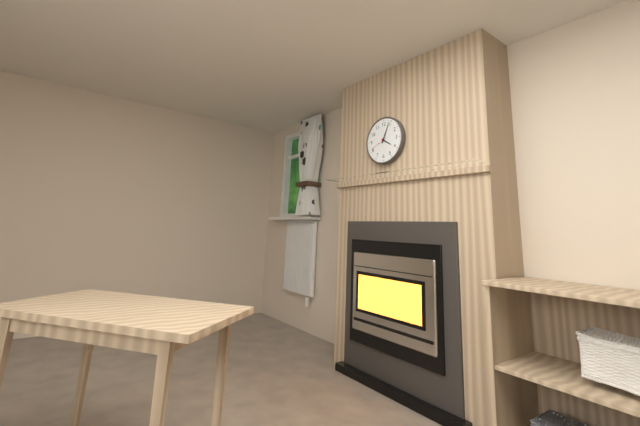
4,04
